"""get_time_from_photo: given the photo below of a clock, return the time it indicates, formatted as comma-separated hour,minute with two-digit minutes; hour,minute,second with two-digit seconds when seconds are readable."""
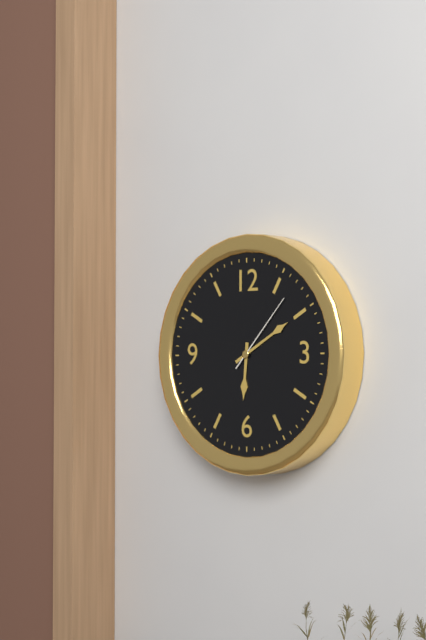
6,10,07
